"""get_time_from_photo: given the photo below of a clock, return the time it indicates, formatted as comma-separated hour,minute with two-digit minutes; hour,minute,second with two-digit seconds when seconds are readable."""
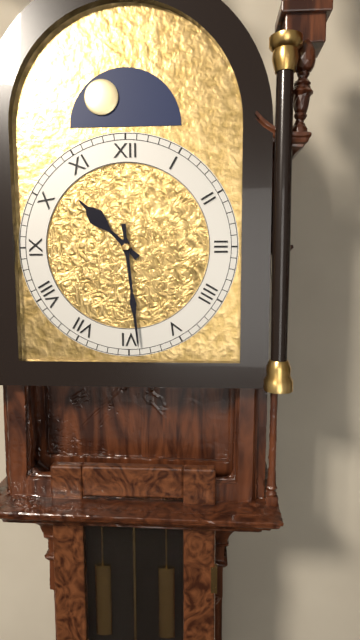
10,29
